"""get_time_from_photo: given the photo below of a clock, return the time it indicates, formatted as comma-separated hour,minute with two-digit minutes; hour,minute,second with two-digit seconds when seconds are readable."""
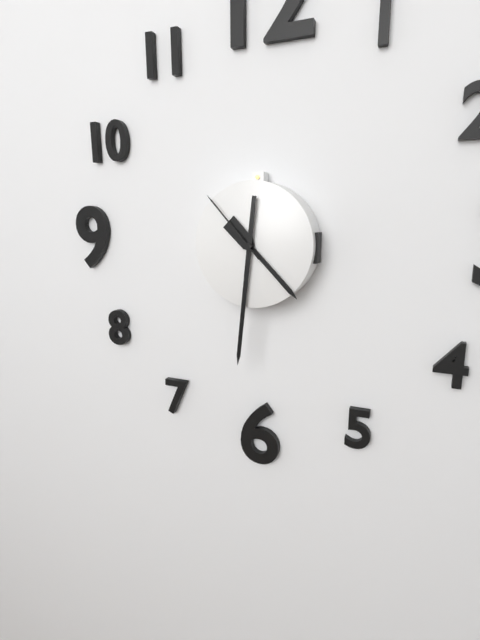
4,31,53
